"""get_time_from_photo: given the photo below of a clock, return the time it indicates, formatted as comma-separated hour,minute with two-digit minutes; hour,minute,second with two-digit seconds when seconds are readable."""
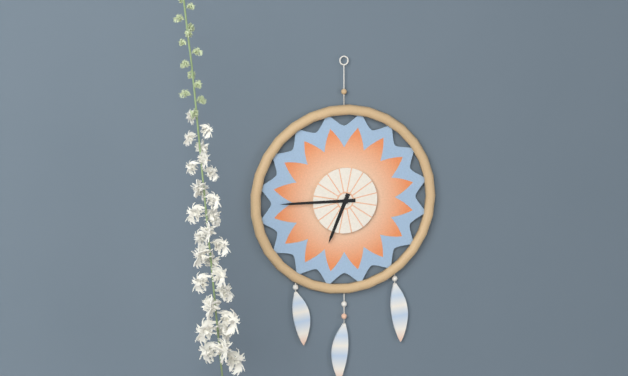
6,45
